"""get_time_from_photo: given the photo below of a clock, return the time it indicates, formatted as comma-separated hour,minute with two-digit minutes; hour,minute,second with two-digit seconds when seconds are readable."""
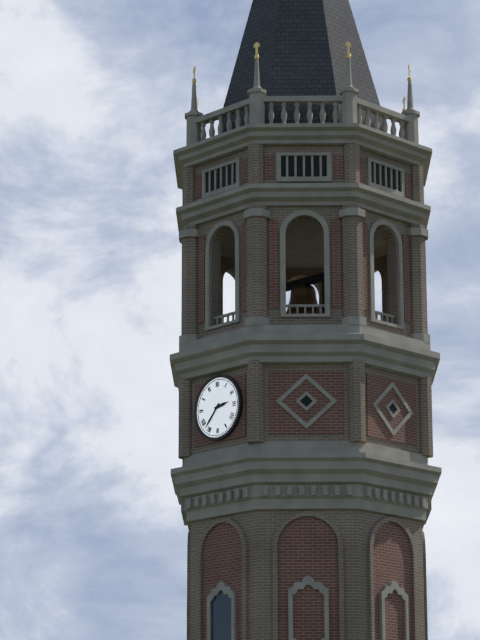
2,37
